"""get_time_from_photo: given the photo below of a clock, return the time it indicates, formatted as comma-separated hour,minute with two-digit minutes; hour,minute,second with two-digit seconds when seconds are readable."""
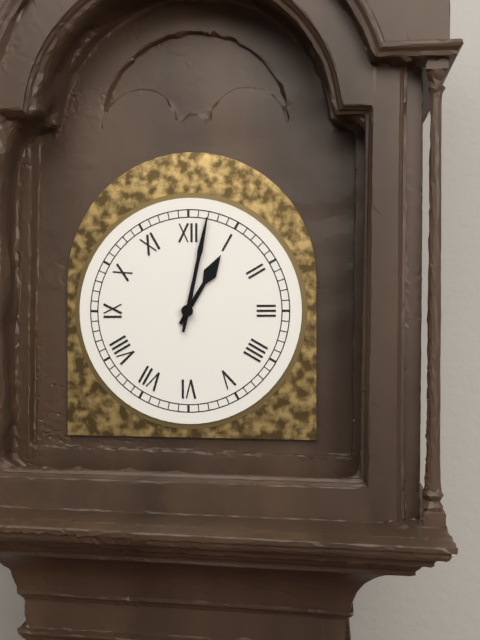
1,02
